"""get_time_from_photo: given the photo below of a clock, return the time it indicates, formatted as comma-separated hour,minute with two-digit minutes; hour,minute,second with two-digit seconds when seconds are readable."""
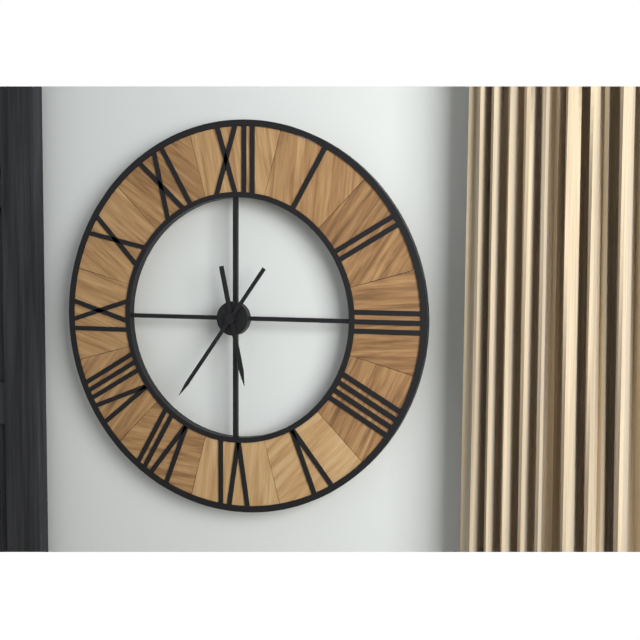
5,36
